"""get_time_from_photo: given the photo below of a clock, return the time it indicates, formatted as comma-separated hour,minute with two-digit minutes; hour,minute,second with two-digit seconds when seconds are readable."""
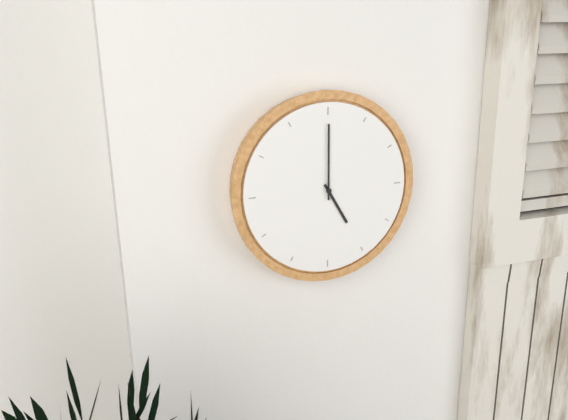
5,00
